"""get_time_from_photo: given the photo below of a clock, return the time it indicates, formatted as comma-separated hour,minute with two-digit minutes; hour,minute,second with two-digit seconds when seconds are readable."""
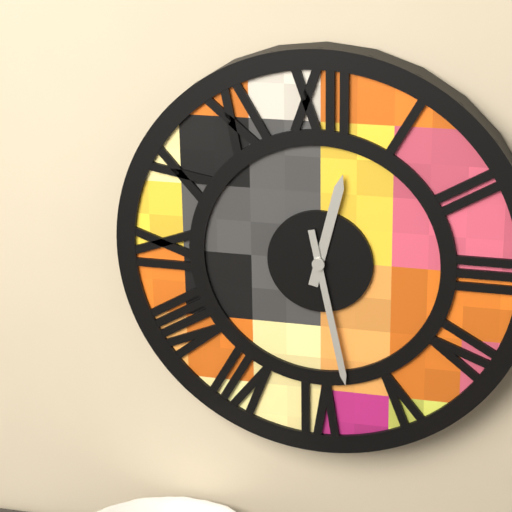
12,28
